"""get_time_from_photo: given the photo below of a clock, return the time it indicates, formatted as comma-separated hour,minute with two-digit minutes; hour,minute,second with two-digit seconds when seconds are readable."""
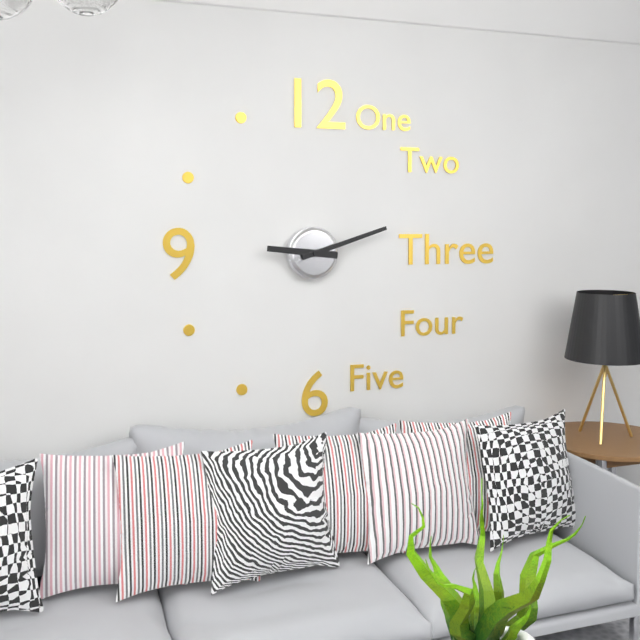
9,12
